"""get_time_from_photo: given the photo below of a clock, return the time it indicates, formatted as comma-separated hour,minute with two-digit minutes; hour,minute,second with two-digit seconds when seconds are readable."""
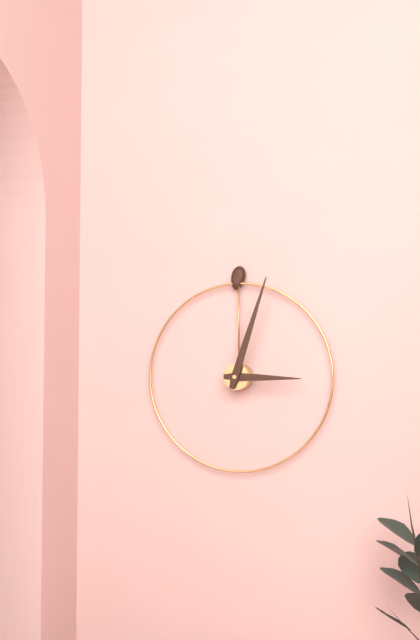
3,03
